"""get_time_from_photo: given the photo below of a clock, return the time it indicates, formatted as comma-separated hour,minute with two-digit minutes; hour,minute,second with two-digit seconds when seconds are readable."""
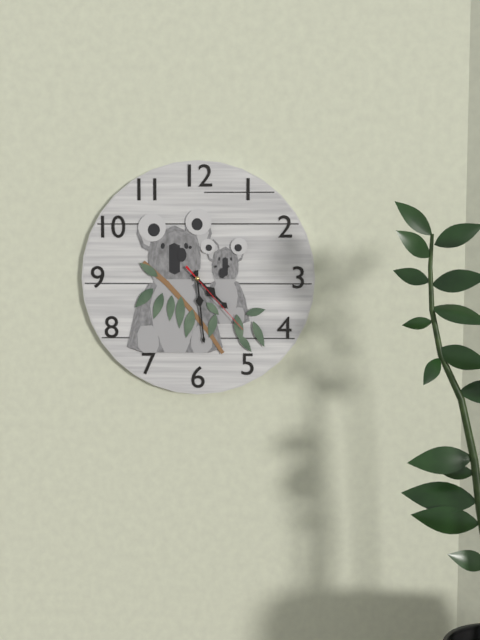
4,29,23
